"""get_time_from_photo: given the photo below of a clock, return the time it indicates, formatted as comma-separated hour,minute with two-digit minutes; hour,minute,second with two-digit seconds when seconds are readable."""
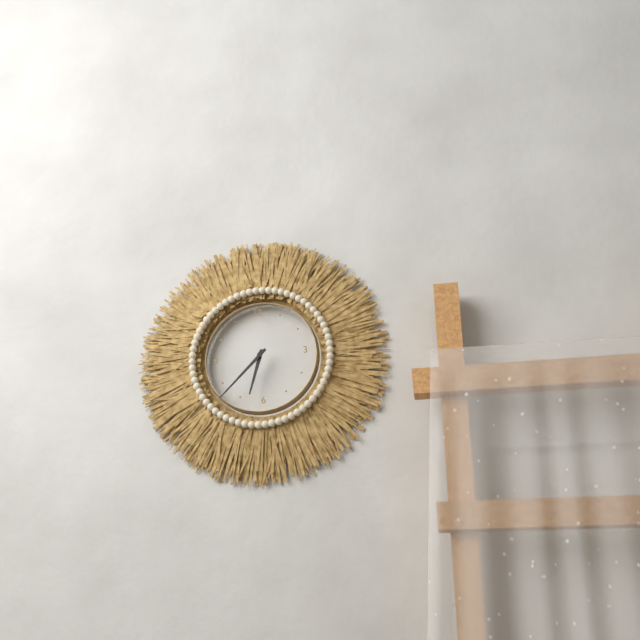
6,38
